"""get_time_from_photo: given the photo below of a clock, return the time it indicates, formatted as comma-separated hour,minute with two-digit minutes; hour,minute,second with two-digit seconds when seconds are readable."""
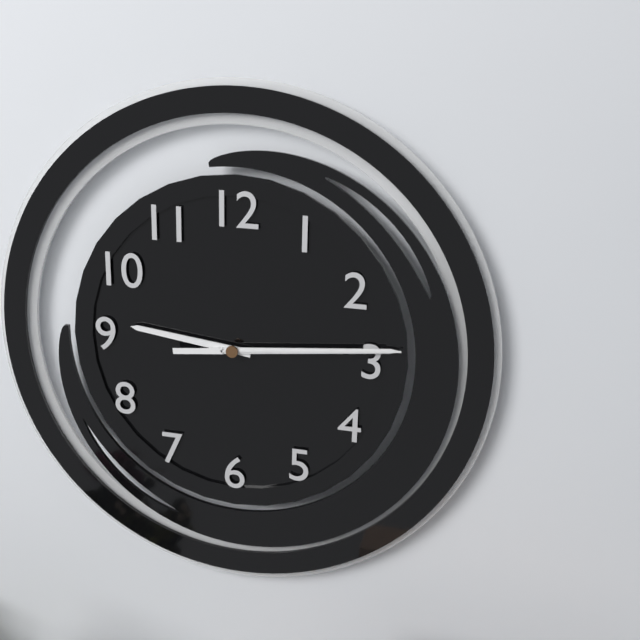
9,14,14
